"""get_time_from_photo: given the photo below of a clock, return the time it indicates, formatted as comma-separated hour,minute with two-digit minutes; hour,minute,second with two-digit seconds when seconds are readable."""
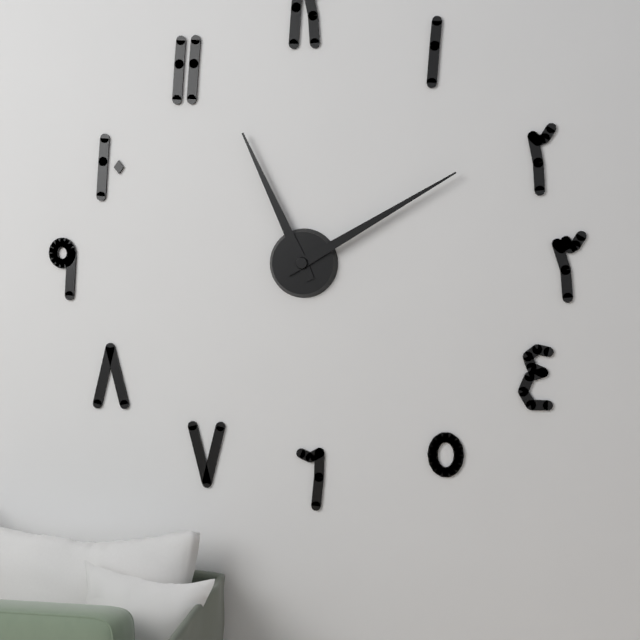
11,10
